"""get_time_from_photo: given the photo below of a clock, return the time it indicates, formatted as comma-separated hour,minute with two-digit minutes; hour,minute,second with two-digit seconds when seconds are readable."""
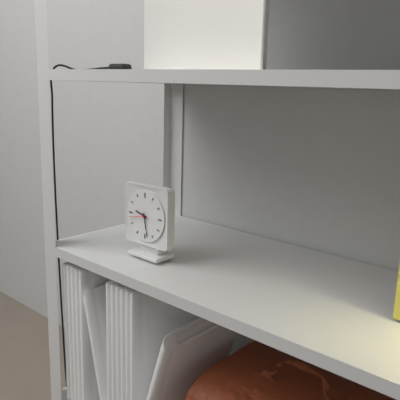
9,28
